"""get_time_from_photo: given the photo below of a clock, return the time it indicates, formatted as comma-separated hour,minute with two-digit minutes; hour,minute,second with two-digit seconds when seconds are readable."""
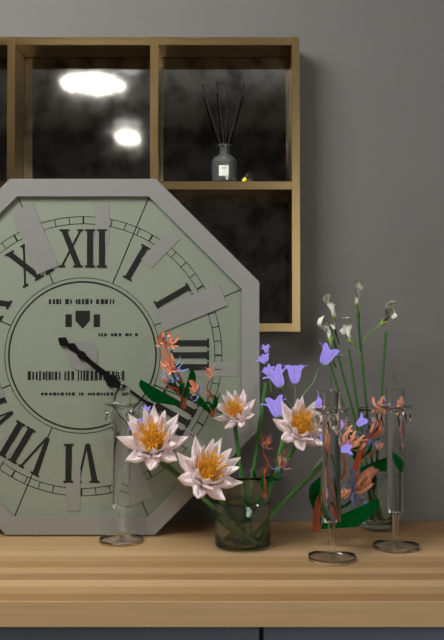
4,21
